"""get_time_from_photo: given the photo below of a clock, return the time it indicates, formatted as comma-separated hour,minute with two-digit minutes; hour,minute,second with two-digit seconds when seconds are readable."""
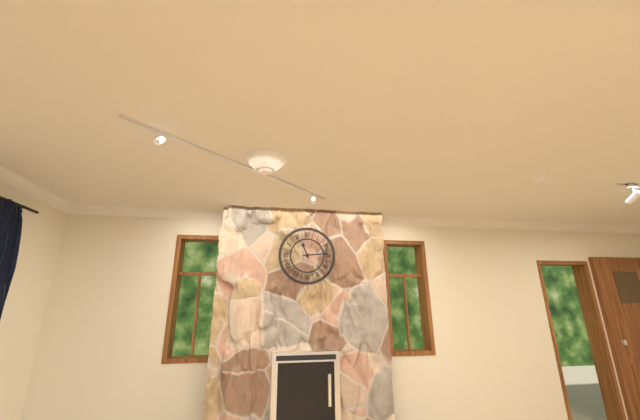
11,14
